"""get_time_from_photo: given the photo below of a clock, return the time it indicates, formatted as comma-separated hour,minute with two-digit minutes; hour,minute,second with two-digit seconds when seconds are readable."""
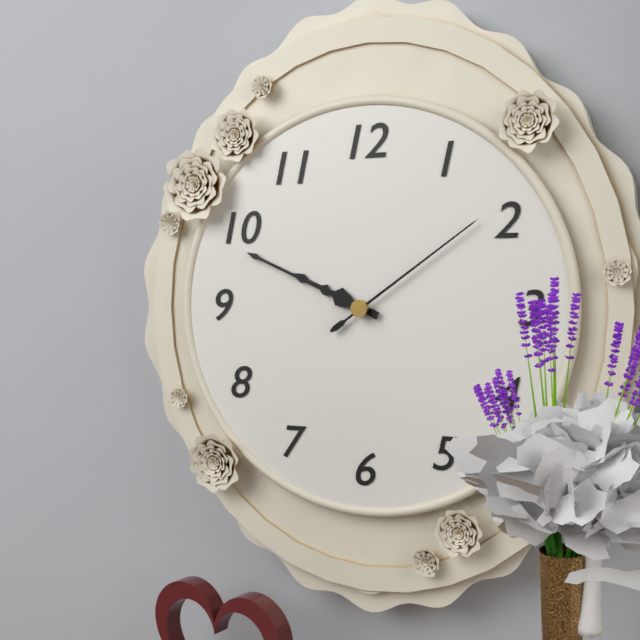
9,49,09
